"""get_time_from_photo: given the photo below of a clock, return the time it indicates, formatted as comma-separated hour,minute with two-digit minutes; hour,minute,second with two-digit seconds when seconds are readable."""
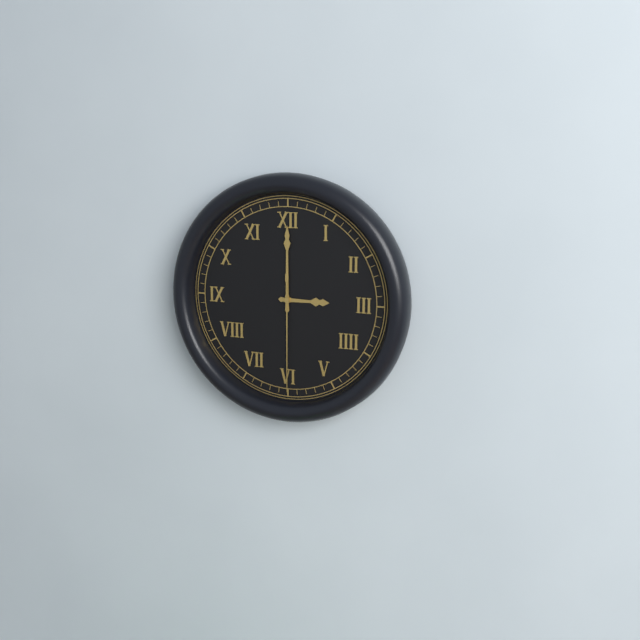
3,00,30
